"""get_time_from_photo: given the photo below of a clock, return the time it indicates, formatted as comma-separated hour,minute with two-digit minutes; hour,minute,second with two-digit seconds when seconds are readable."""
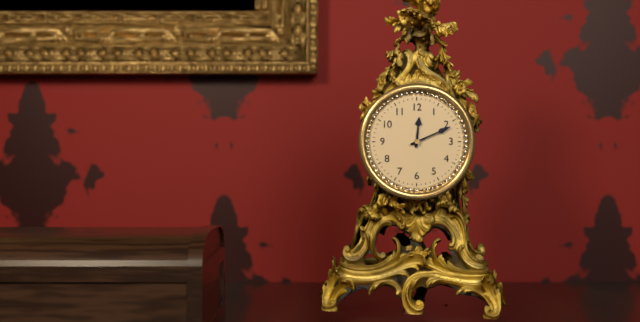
12,11
